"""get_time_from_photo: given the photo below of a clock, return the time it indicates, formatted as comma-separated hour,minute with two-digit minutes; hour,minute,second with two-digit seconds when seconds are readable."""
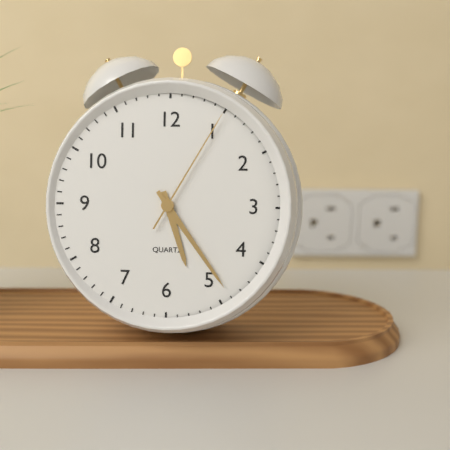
5,24,05
